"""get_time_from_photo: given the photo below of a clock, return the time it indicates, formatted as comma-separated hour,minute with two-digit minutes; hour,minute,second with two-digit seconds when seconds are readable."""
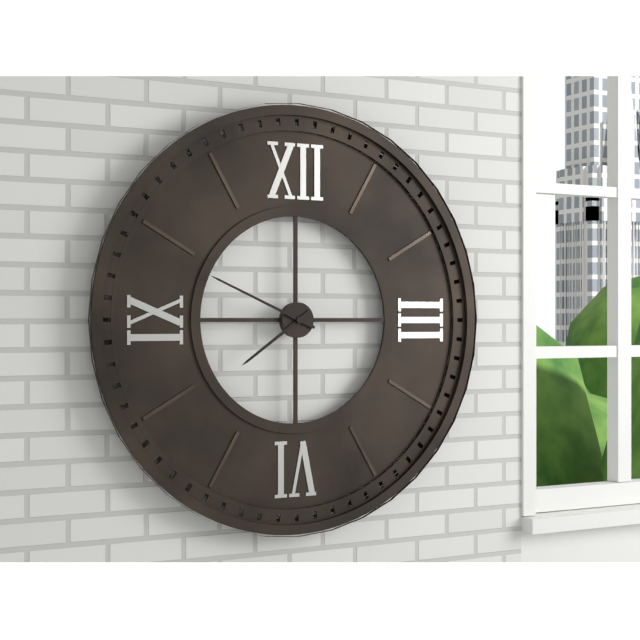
7,49
